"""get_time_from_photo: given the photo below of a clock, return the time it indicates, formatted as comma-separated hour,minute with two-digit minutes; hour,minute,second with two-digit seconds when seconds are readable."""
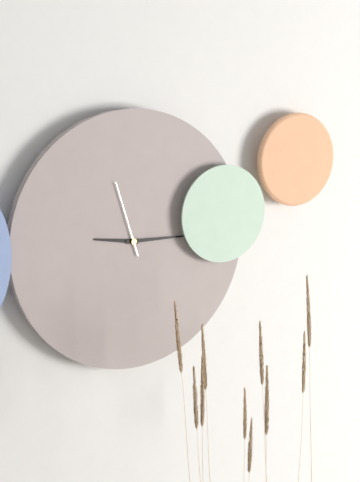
9,15,57
